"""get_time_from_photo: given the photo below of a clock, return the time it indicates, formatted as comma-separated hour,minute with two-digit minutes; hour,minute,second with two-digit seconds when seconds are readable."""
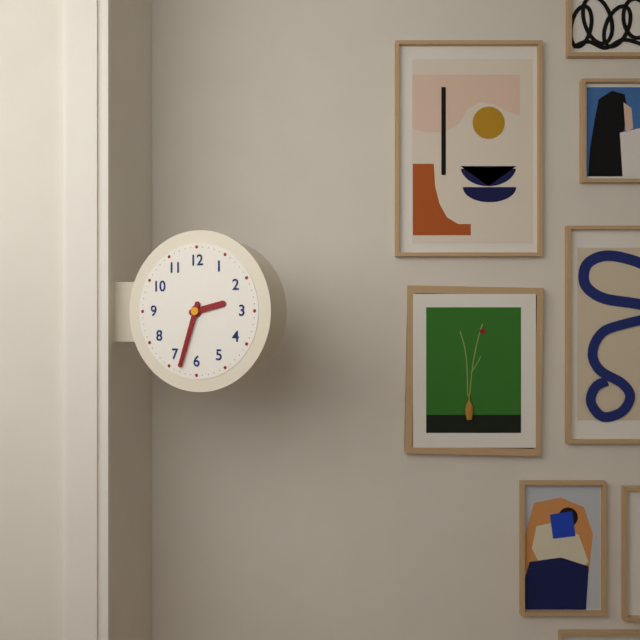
2,33
